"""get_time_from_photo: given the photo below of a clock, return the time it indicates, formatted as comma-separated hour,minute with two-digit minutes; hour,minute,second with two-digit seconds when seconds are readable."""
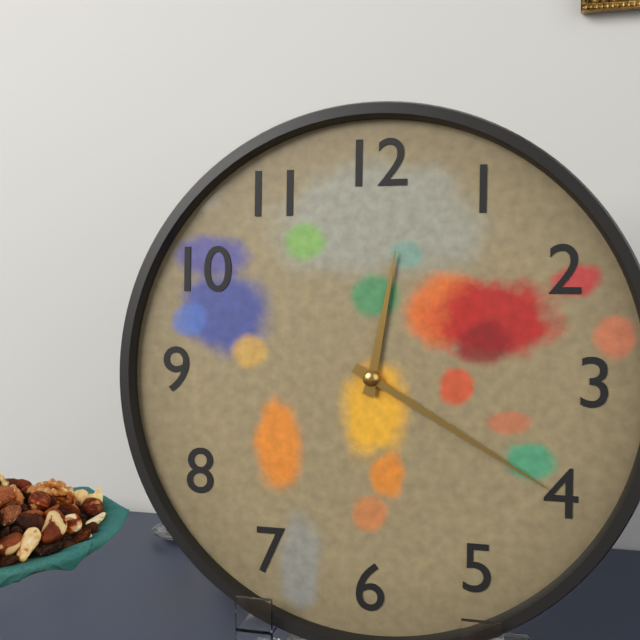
12,20
